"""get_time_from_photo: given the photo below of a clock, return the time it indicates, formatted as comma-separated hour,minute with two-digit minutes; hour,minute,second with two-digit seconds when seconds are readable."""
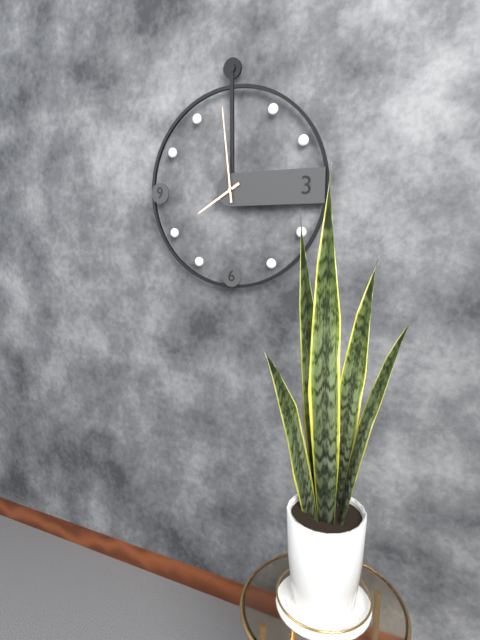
7,59
